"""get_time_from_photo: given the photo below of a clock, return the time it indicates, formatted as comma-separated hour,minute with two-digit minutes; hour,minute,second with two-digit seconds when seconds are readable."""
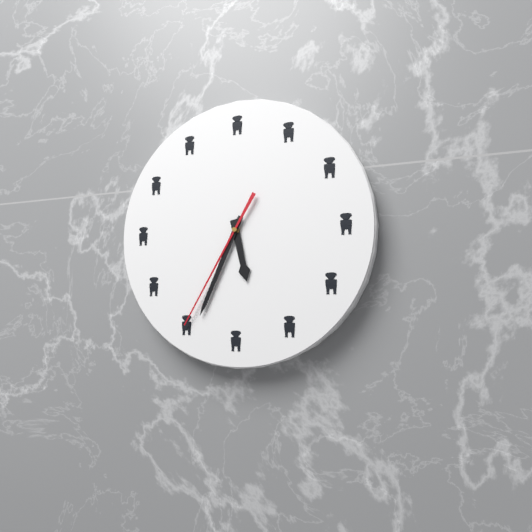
5,34,35
